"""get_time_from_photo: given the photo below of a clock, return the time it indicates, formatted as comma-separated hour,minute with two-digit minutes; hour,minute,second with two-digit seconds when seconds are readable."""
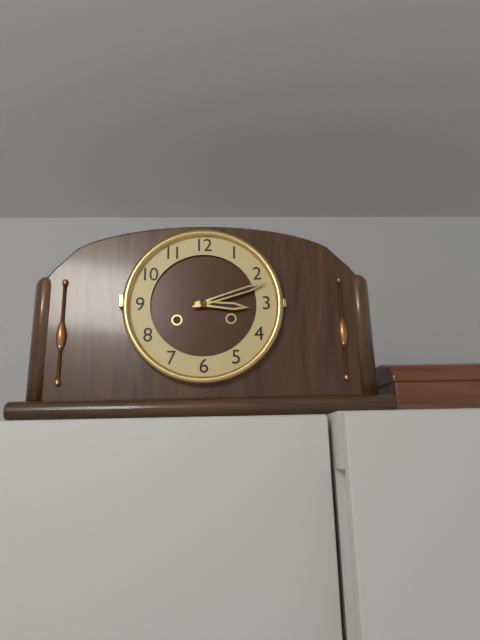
3,12
